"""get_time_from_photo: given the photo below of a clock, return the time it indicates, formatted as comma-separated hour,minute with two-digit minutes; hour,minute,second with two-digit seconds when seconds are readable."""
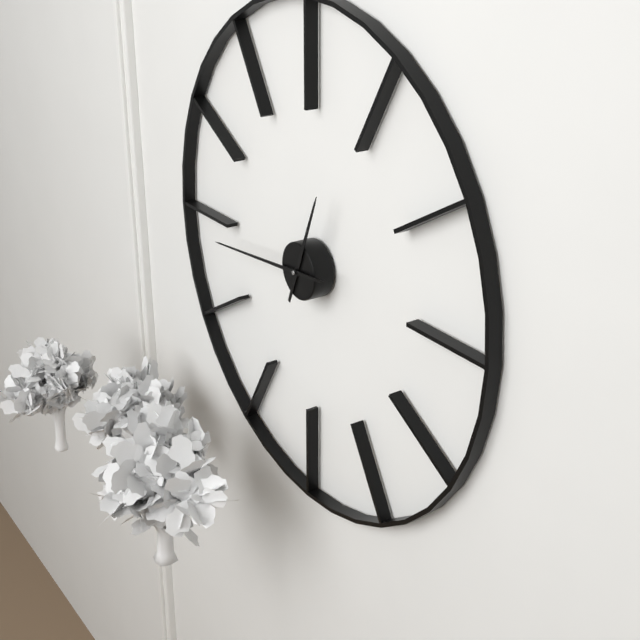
12,44
